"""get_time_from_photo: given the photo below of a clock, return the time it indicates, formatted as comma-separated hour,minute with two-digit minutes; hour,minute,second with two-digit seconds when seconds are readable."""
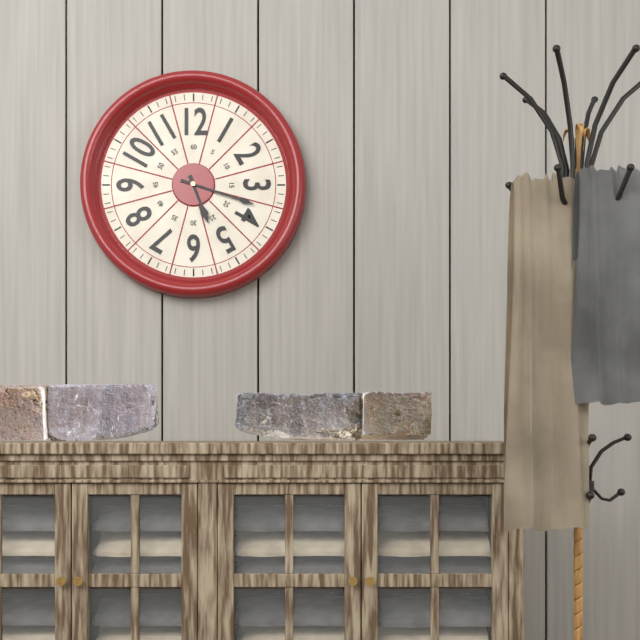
5,18
